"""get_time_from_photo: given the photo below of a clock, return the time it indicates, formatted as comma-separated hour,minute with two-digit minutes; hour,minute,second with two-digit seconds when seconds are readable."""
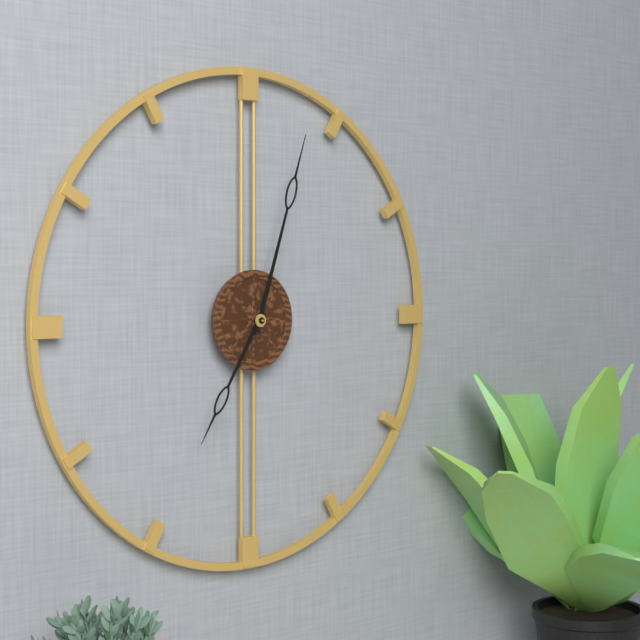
7,03
